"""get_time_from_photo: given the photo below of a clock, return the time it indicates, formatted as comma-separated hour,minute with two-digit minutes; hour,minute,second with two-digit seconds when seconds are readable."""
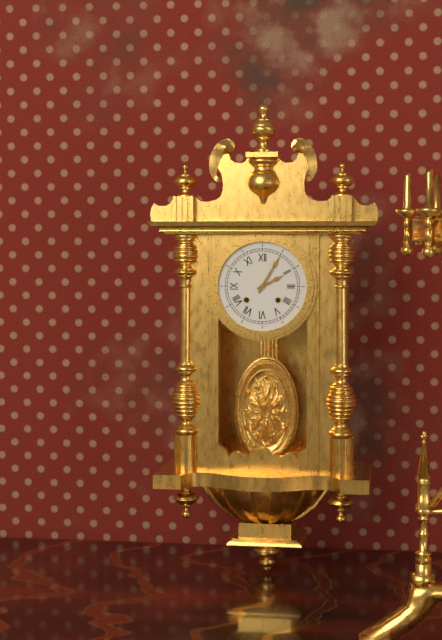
2,05
